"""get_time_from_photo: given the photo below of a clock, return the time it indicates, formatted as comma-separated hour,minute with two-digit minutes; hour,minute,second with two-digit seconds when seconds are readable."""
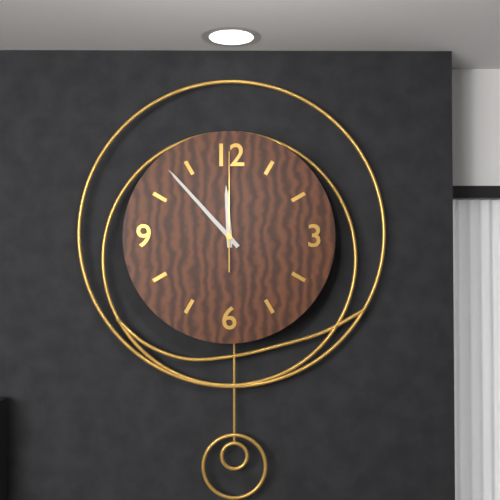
11,53,00
